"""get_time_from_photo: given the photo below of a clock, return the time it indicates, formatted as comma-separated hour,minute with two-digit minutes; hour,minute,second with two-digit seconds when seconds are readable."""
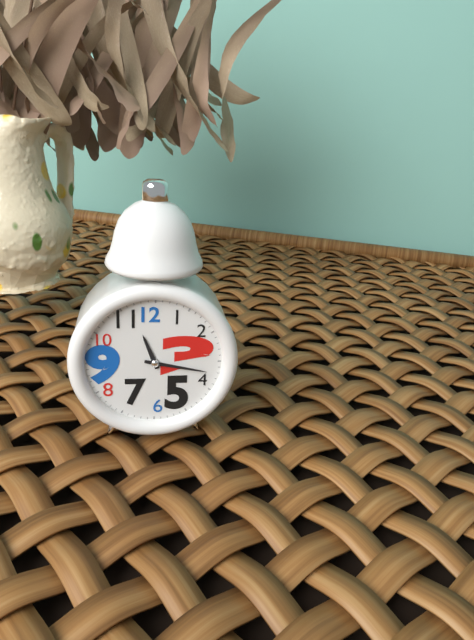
11,17
